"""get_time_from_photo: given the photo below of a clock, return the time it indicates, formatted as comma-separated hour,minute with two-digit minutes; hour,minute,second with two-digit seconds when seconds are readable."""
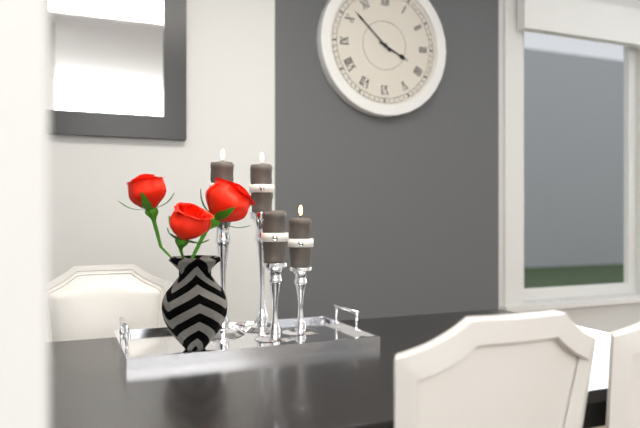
3,52
